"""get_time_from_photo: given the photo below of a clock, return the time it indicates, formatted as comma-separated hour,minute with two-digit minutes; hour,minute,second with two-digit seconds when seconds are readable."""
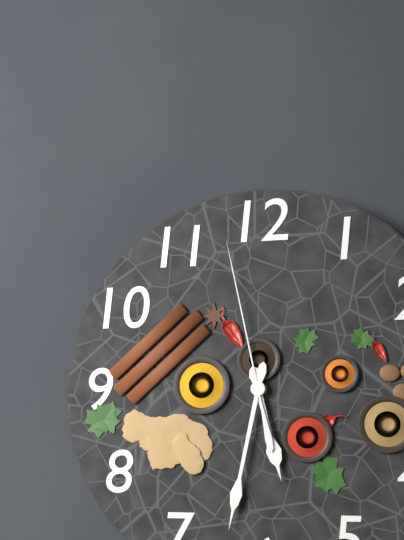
5,32,58
